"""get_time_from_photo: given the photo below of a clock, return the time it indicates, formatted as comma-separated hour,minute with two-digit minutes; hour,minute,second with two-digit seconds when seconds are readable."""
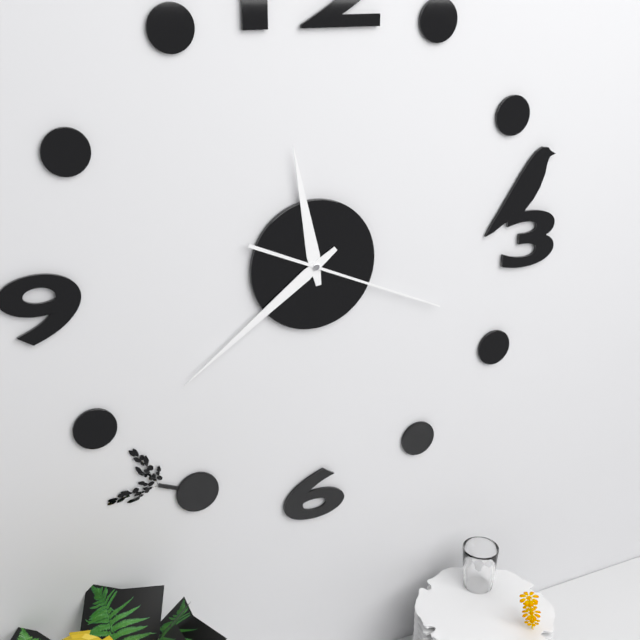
11,39,19
